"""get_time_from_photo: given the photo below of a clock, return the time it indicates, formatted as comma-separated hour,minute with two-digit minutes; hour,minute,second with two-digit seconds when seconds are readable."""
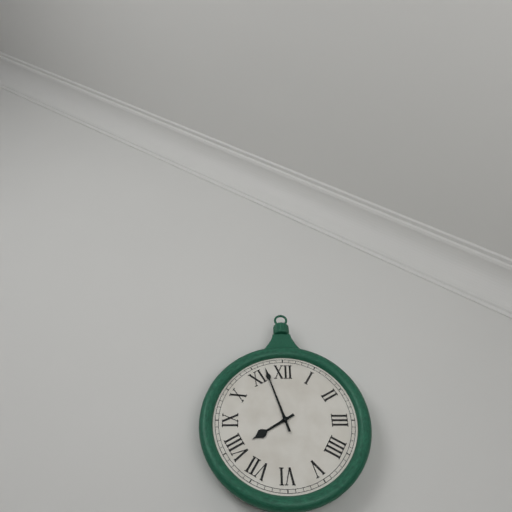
7,57
